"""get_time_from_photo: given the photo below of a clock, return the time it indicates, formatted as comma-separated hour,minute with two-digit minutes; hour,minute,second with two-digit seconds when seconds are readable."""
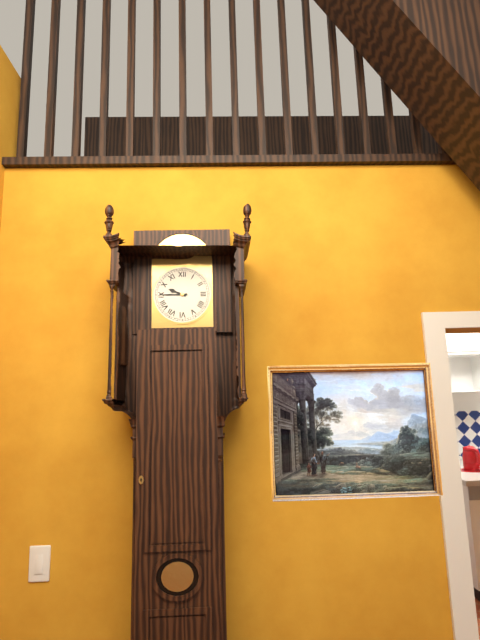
9,45
